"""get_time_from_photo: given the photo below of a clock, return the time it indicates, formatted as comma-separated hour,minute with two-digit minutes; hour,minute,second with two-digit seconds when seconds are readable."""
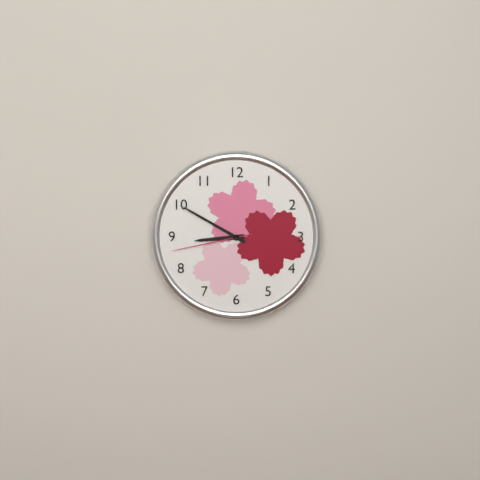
8,50,43
